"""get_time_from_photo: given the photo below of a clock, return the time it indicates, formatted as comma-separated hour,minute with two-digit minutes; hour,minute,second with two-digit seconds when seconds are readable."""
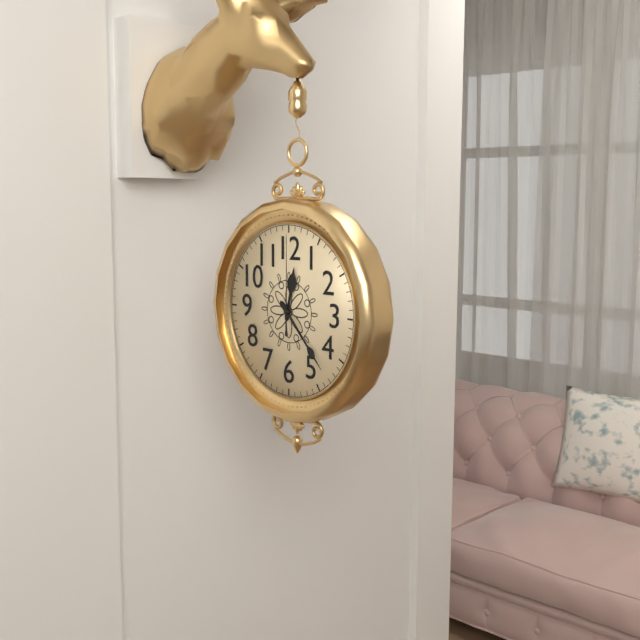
12,23,00
